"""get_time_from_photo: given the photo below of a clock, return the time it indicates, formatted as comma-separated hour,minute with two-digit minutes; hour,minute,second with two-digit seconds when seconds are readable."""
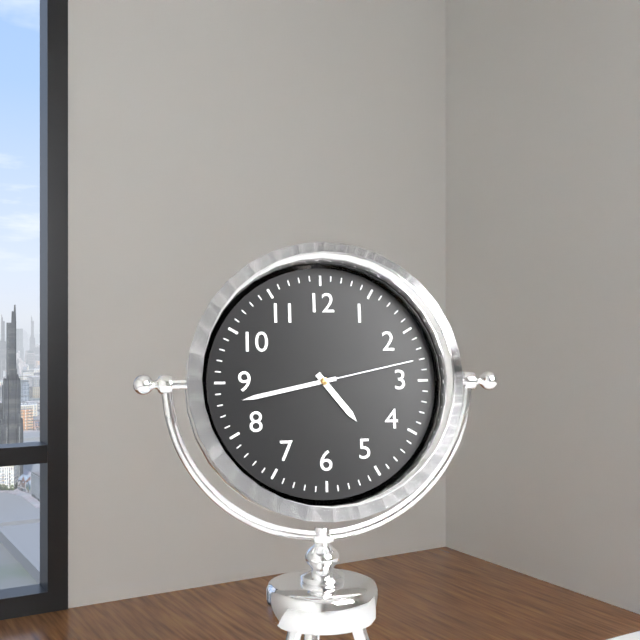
4,43,13
